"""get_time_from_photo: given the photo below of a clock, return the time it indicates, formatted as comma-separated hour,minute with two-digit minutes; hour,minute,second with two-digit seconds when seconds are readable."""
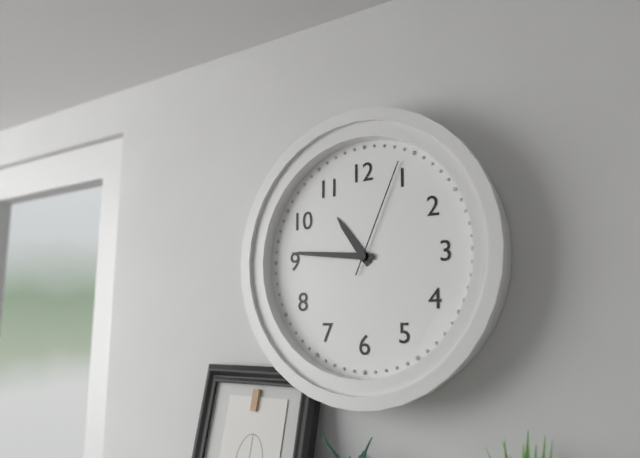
10,46,04
